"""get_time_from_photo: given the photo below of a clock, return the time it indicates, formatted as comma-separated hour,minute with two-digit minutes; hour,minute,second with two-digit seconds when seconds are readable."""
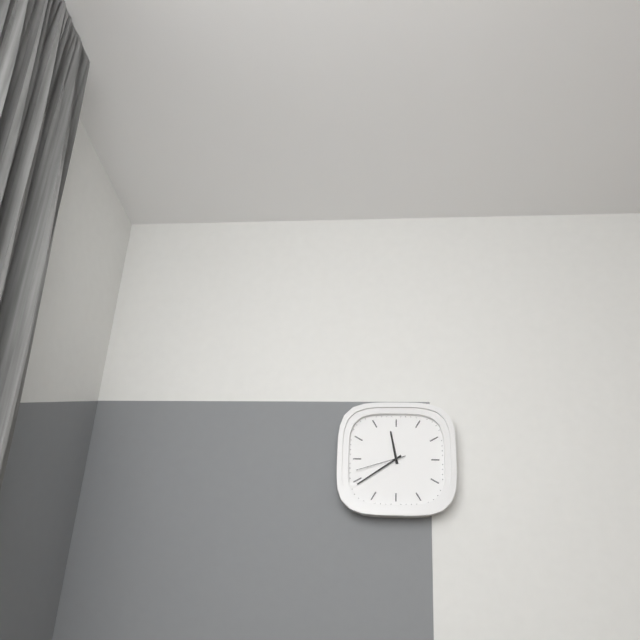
11,39,42
